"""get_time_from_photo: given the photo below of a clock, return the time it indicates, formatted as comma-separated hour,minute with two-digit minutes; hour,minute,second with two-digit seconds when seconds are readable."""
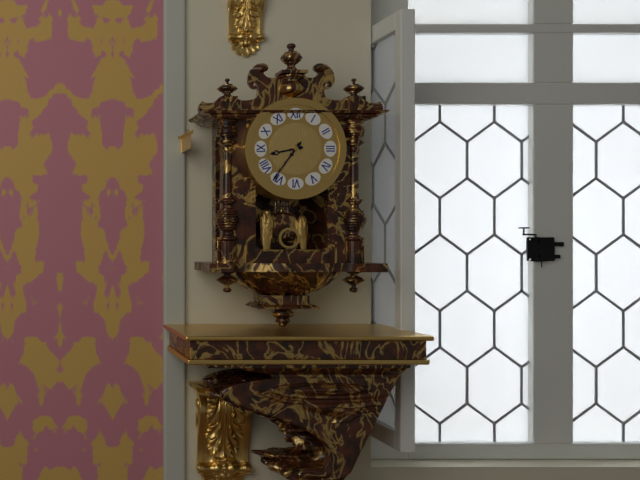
8,36
